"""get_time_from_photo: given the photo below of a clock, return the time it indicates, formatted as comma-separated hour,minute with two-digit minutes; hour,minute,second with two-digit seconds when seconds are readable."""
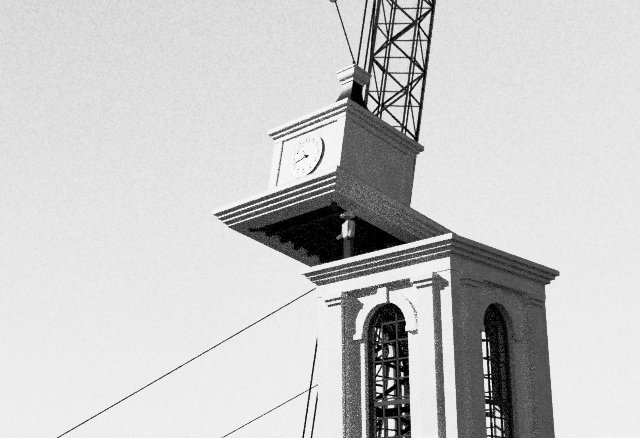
10,43
